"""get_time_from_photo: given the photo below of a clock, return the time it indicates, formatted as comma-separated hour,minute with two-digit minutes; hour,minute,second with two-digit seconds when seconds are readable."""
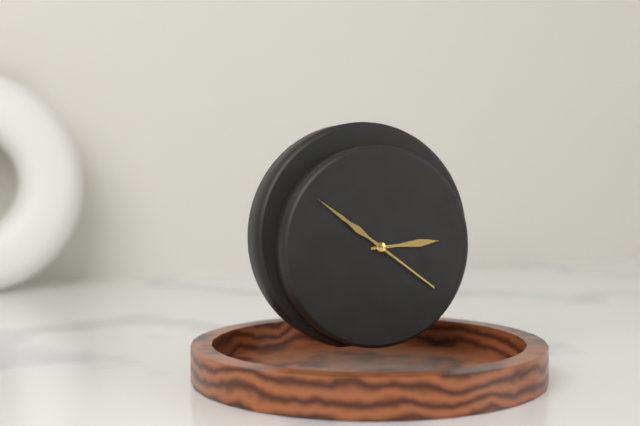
2,51
